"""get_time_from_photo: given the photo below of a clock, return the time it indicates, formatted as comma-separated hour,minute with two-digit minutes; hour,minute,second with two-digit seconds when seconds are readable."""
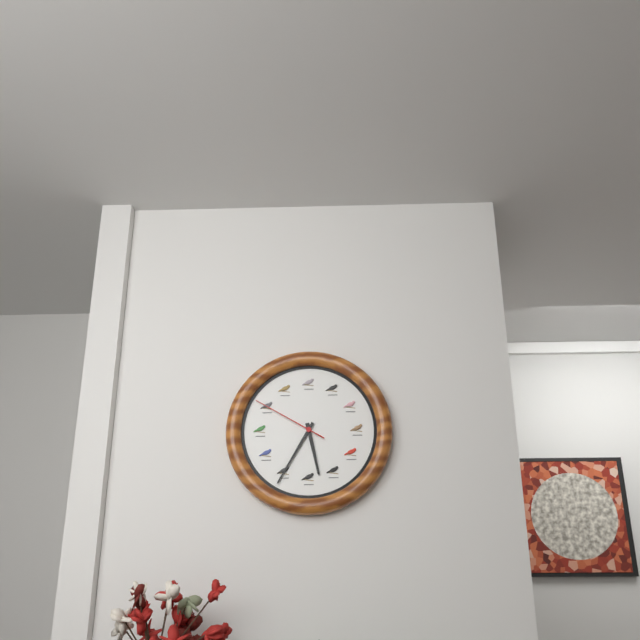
5,35,50
